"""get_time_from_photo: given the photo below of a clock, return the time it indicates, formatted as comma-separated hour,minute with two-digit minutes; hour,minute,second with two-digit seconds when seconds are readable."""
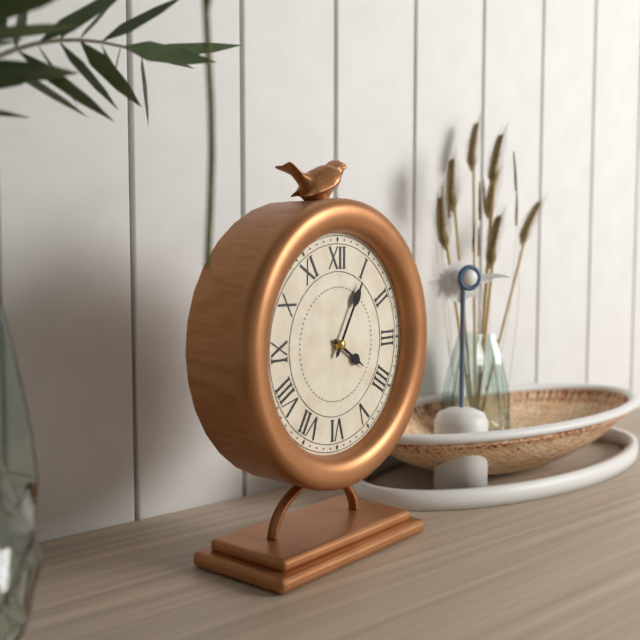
4,05
